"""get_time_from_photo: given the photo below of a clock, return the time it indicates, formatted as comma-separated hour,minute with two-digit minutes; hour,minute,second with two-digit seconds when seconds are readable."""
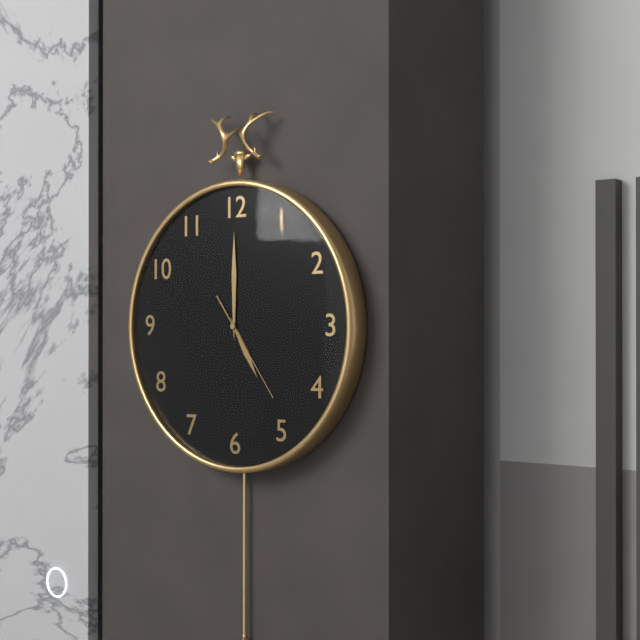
5,00,24
